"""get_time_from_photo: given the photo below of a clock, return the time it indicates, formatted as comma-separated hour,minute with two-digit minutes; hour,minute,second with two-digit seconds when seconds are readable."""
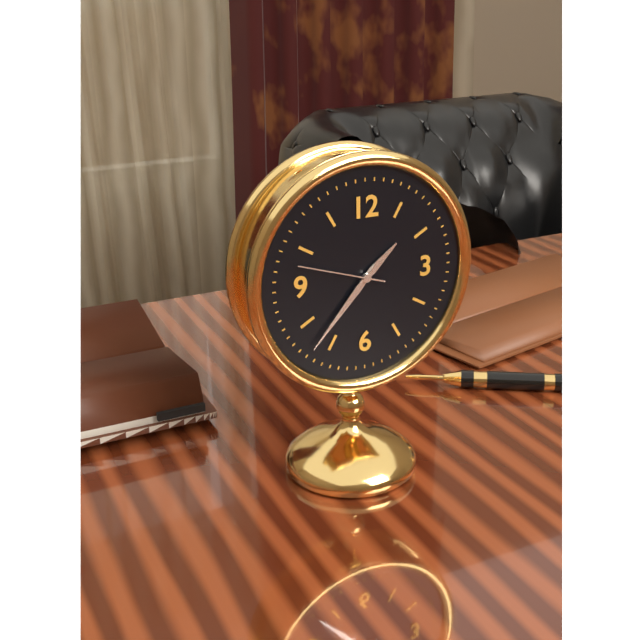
1,37,48
